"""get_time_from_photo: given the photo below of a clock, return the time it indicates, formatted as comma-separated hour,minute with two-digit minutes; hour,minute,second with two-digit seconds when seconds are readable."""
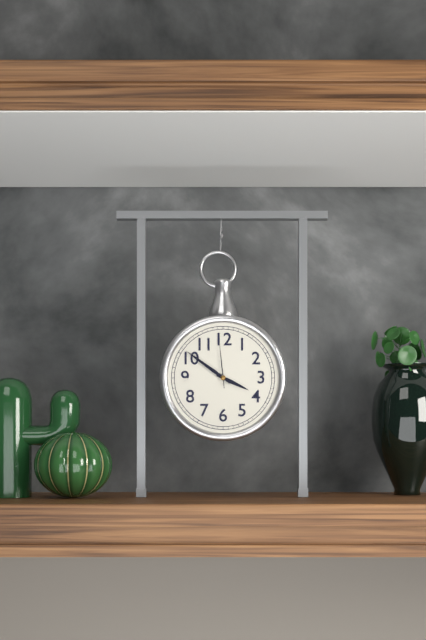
3,51
